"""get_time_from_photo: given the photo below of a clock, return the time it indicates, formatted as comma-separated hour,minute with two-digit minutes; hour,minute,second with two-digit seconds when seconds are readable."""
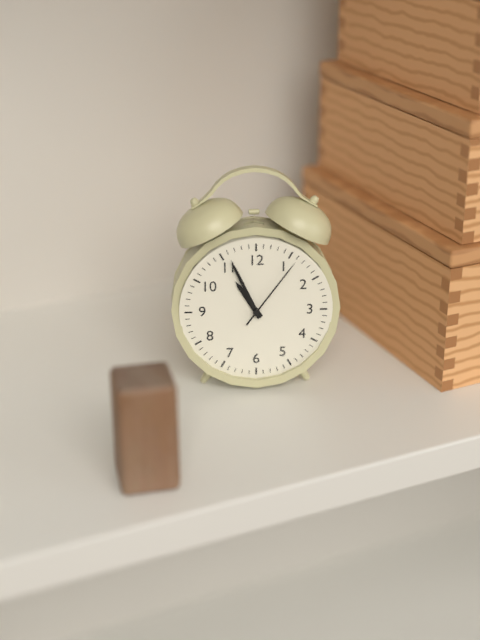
10,56,06
